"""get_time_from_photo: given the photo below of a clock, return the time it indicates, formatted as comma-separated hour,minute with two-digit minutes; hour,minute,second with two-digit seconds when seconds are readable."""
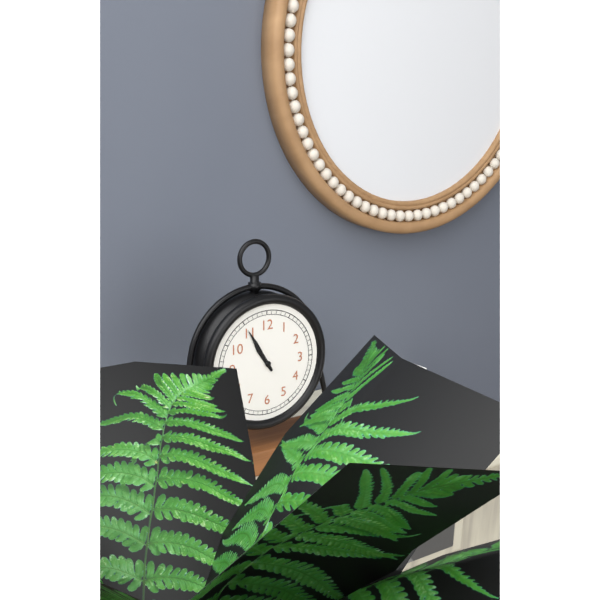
10,55
